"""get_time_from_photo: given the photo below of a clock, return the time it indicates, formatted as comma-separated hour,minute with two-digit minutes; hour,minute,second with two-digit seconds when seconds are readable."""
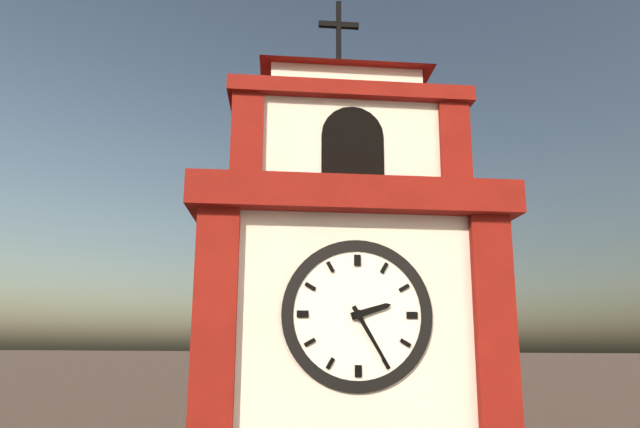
2,25
